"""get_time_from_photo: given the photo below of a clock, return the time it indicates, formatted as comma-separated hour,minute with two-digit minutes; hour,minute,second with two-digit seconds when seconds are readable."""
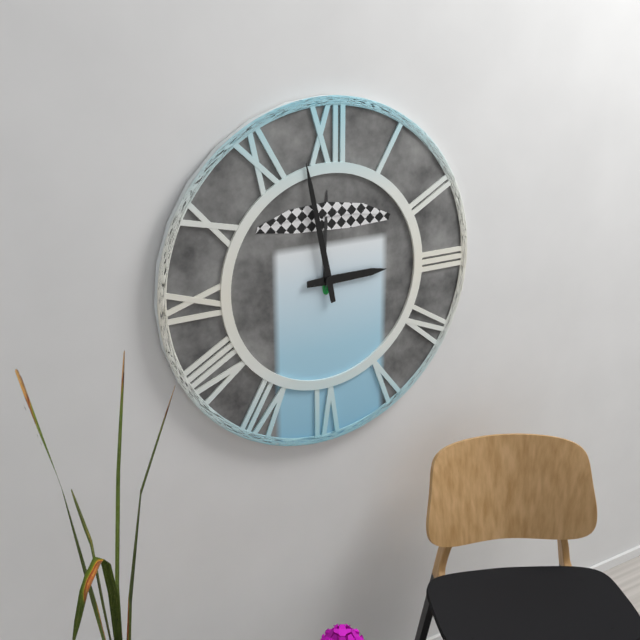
2,58
